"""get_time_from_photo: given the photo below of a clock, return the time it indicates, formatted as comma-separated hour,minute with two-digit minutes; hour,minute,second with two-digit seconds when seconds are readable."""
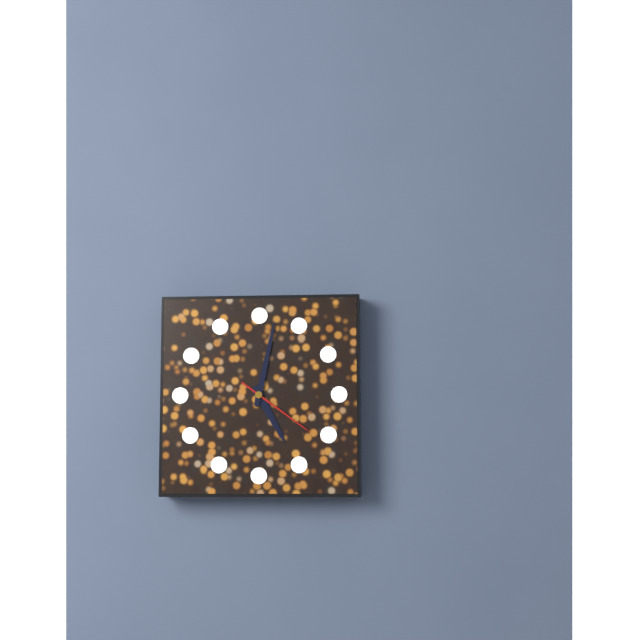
5,02,21
